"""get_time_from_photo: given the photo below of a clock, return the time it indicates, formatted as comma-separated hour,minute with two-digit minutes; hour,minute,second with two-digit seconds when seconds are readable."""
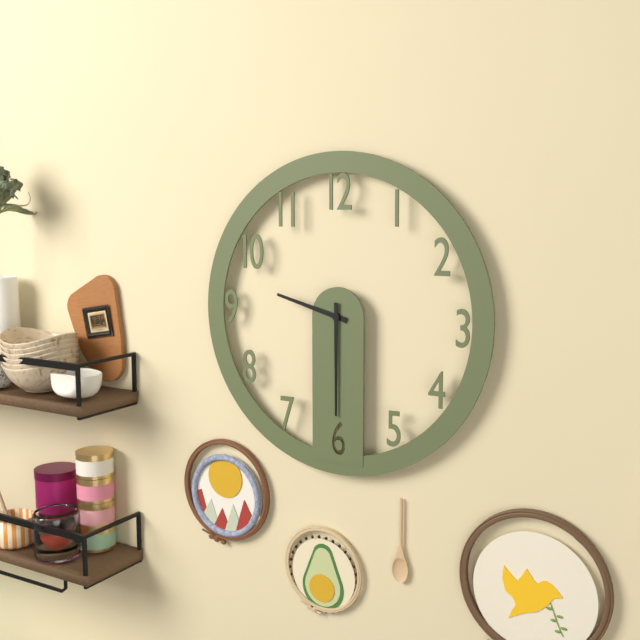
9,30
